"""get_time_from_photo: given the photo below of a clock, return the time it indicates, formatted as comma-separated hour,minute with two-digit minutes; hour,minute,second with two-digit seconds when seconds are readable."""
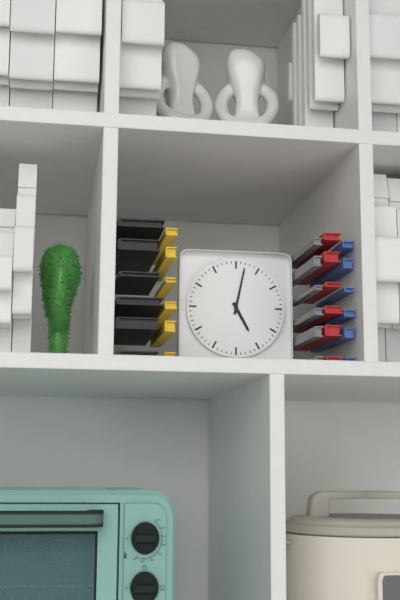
5,02
